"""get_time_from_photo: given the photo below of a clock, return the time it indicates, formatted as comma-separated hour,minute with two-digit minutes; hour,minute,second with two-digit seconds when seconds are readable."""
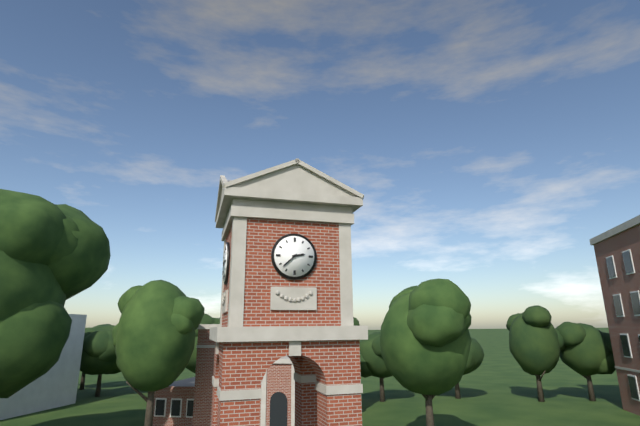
2,38
